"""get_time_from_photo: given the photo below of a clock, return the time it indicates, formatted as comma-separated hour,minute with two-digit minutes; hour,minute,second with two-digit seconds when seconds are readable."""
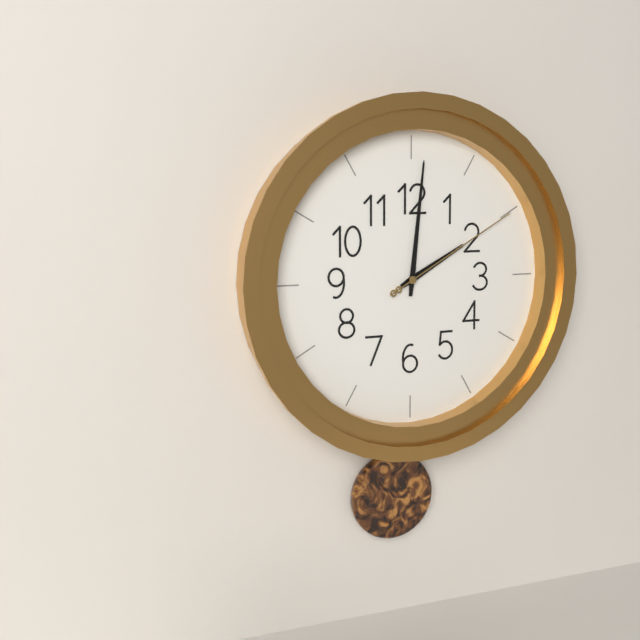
2,01,10
